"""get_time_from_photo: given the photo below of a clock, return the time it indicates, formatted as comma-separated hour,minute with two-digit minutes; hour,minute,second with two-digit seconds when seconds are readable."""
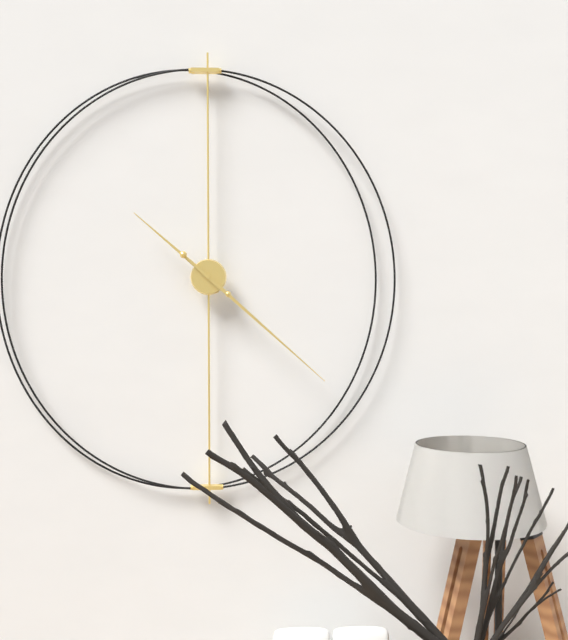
10,22
